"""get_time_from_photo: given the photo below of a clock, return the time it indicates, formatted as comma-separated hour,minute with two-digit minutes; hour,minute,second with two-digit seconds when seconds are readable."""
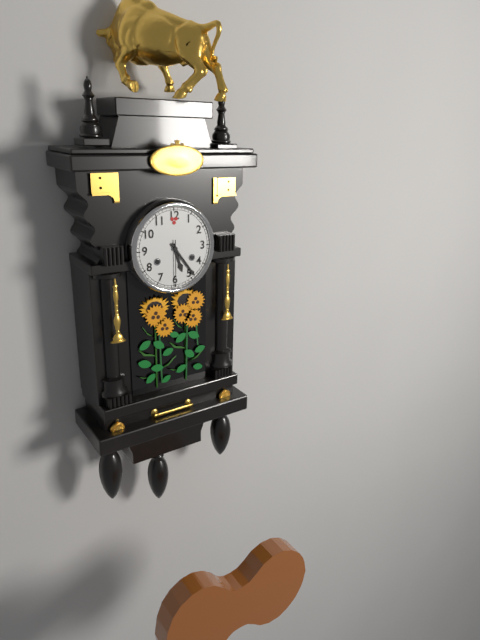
5,24
